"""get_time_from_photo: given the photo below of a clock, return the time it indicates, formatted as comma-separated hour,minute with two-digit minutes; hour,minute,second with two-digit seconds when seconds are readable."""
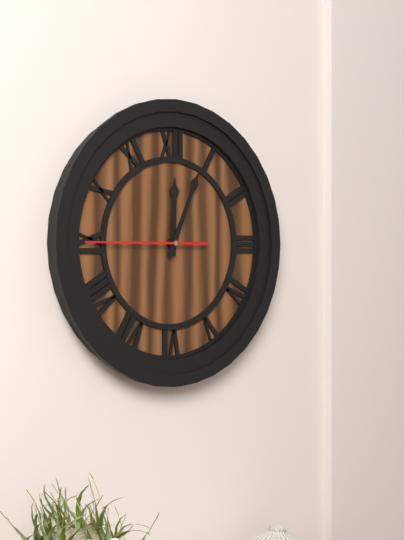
12,04,45
